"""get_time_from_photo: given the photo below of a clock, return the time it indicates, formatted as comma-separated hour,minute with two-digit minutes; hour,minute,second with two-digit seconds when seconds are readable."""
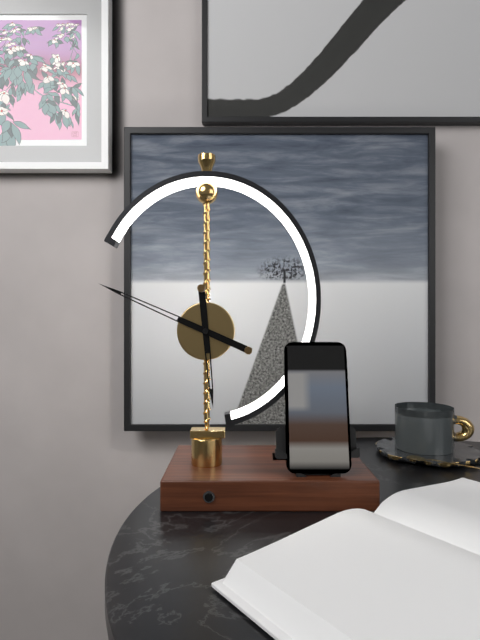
5,49
